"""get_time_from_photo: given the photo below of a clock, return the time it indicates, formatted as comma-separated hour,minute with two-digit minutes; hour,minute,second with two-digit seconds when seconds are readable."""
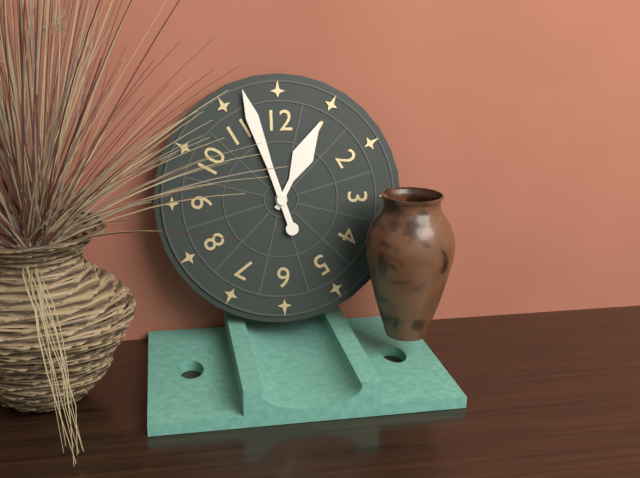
12,57
